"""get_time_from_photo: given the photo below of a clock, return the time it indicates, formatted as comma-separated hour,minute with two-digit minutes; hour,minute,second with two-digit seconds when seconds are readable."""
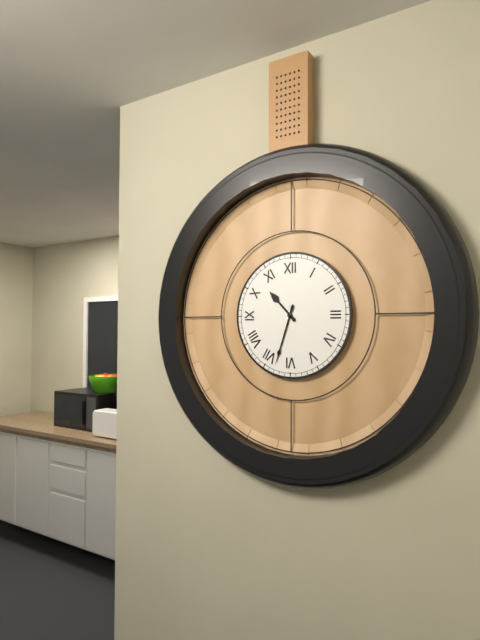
10,33
